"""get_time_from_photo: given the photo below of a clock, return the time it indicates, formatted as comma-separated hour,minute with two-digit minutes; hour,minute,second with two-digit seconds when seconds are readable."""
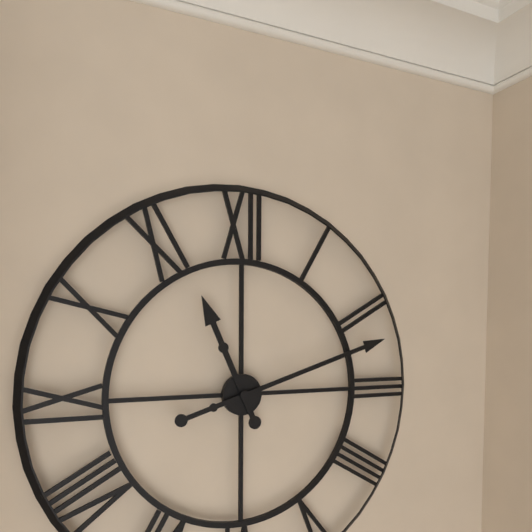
11,12
